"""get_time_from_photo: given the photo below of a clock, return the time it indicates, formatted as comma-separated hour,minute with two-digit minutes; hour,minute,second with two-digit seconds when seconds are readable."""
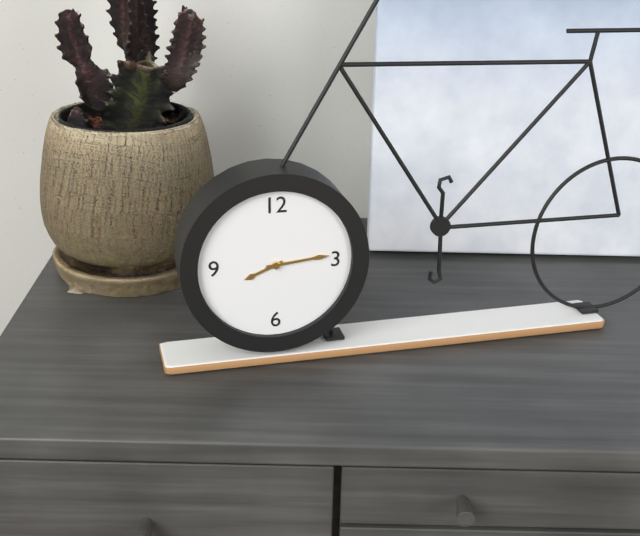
8,14
